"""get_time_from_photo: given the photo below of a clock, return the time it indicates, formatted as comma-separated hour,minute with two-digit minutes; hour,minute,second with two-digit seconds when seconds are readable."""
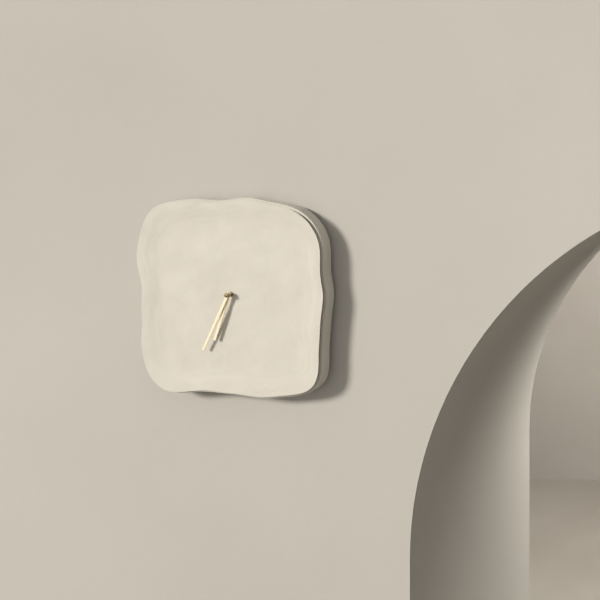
6,34
